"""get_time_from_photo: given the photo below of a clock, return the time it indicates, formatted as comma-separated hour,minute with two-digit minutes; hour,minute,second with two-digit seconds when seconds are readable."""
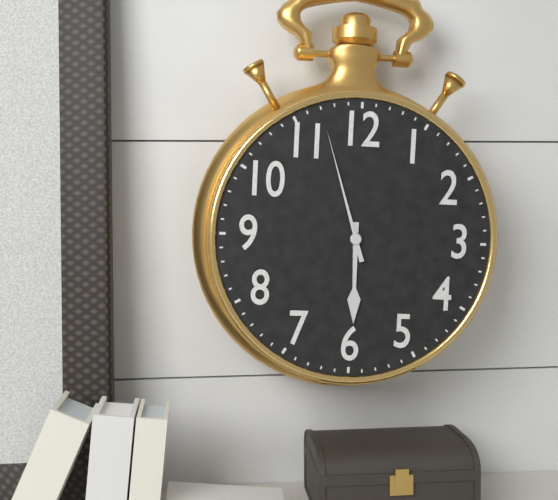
5,57
